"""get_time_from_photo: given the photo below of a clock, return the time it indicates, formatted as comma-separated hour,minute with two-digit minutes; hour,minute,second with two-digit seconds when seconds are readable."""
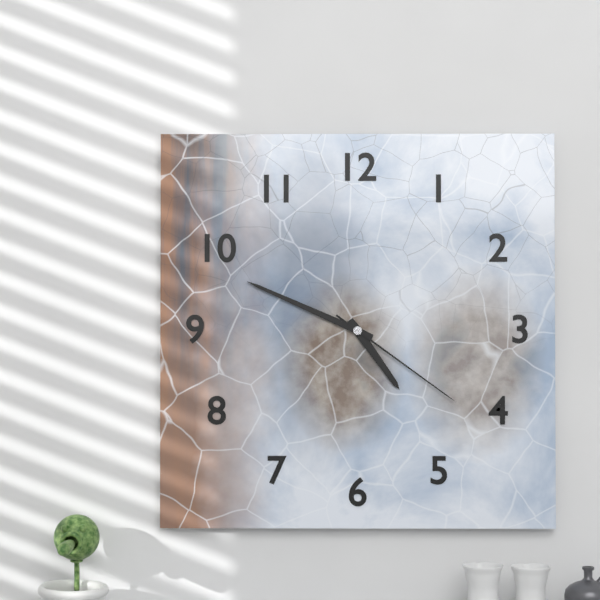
4,49,21
